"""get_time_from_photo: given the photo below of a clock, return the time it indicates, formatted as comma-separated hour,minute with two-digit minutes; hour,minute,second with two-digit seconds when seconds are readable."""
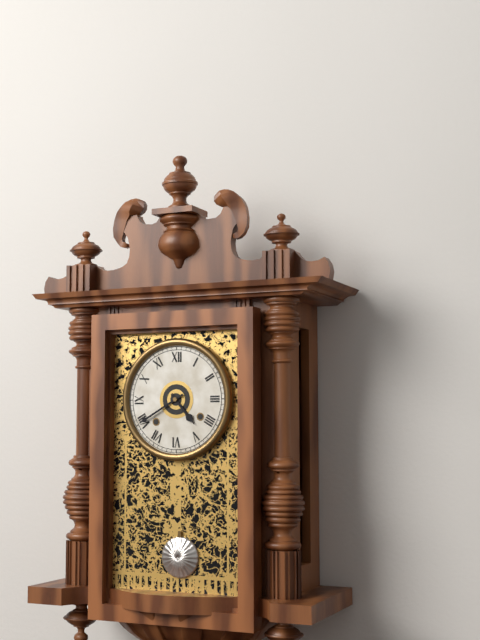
4,40
